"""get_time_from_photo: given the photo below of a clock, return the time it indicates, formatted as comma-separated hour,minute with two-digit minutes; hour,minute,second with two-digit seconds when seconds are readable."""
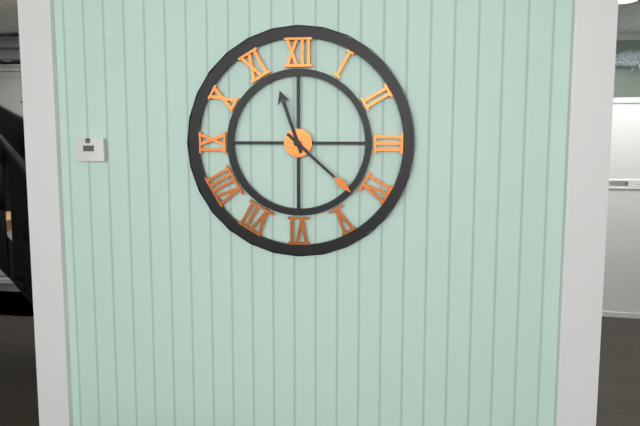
11,22
